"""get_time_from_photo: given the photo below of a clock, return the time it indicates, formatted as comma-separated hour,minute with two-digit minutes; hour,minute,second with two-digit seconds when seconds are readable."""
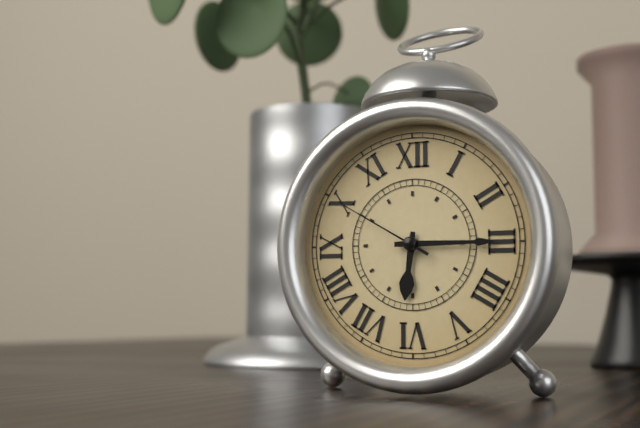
6,15,50
